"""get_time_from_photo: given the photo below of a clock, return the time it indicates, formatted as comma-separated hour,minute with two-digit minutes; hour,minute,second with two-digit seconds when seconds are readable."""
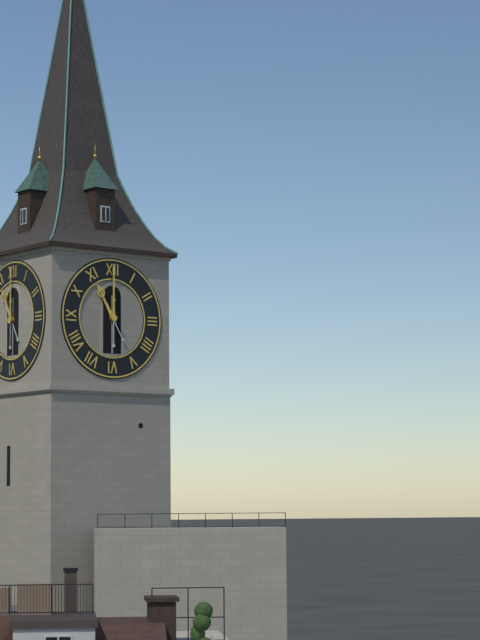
11,00
